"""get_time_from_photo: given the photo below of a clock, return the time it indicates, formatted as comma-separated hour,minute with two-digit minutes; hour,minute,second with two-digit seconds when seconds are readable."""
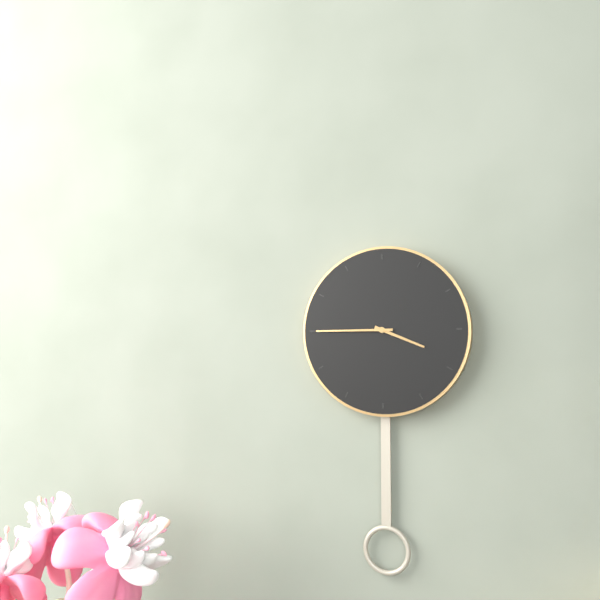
3,45
